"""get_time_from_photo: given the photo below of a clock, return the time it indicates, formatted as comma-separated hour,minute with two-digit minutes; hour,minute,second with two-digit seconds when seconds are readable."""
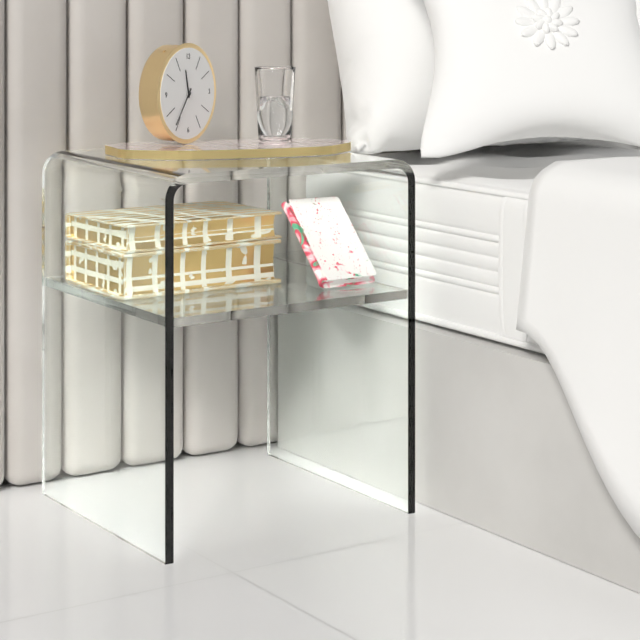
11,36
